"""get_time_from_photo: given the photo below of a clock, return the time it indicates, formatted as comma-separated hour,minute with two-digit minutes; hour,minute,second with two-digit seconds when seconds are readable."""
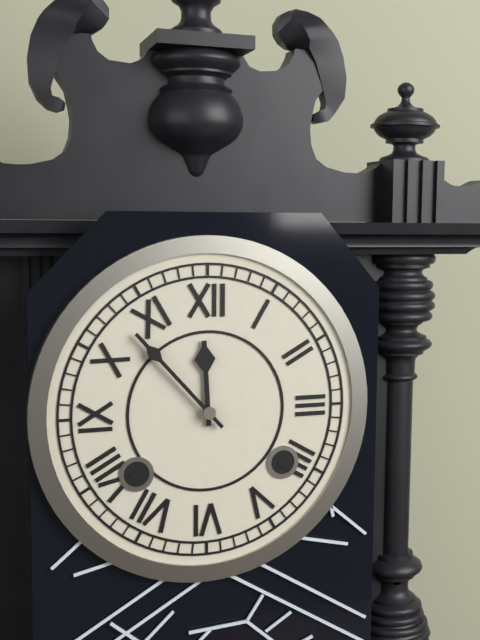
11,53
